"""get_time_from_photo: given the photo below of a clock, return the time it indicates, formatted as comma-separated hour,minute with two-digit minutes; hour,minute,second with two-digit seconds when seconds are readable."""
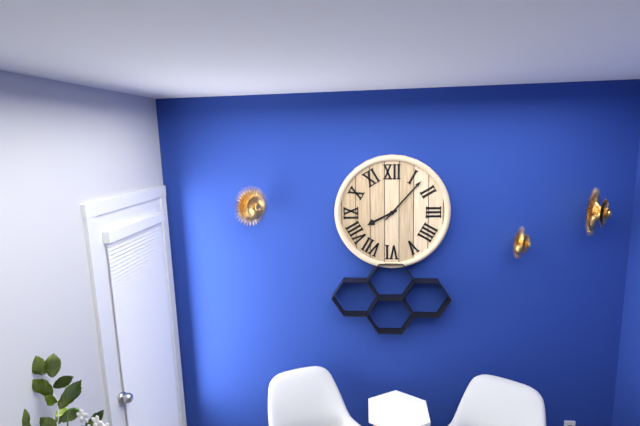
8,07
